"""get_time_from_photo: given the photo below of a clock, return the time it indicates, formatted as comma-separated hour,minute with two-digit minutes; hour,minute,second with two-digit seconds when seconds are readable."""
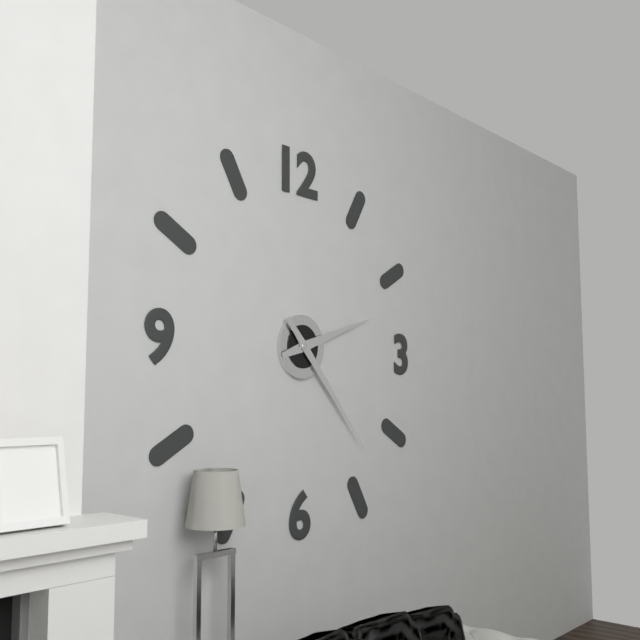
2,23
